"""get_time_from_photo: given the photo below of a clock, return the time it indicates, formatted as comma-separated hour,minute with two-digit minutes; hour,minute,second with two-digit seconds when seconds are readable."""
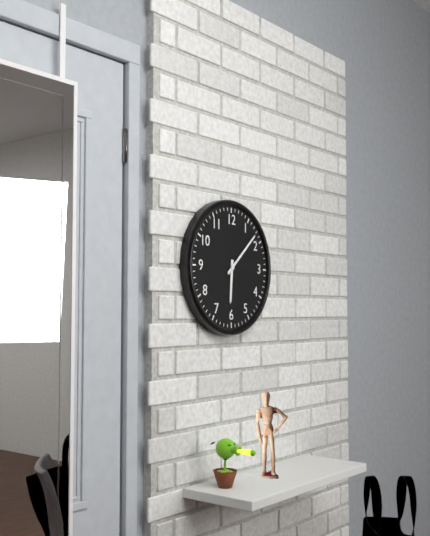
6,08
